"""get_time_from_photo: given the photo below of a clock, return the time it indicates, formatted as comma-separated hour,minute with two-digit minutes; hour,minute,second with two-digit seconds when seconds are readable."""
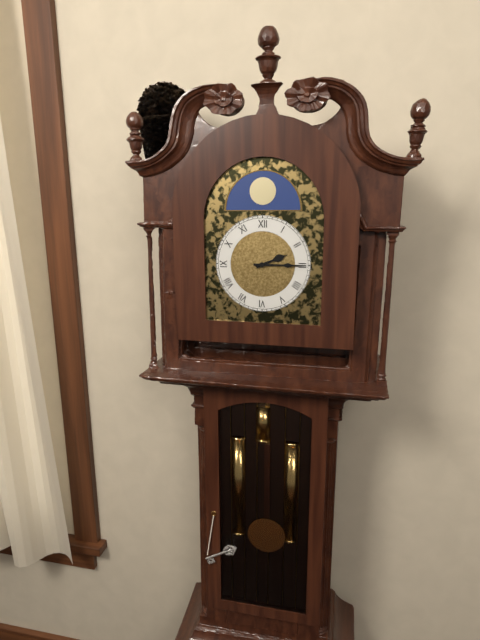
2,15
